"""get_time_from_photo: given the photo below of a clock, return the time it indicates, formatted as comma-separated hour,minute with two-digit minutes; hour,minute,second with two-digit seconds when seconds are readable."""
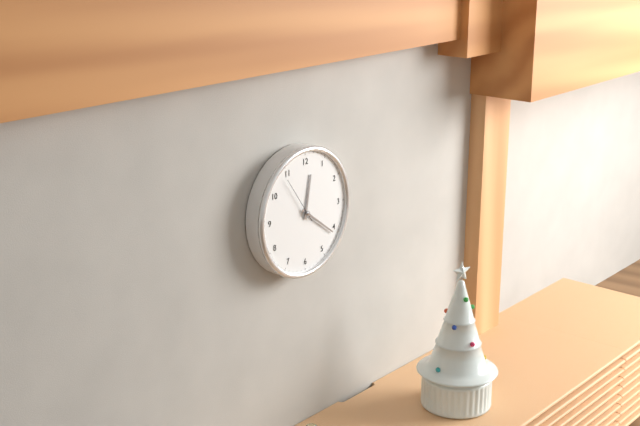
12,21
